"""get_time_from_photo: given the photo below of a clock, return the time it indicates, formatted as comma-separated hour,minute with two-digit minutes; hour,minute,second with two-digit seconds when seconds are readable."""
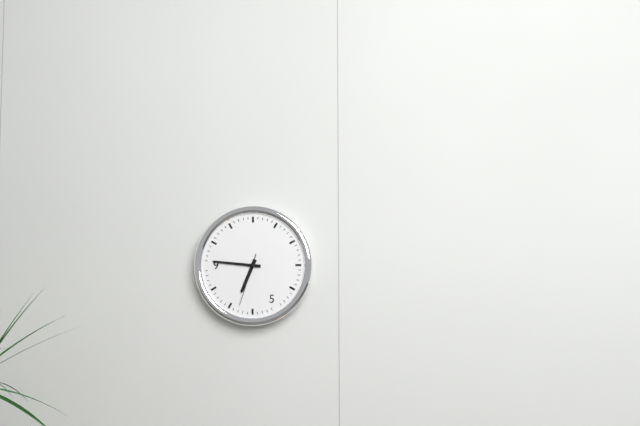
6,46,33
